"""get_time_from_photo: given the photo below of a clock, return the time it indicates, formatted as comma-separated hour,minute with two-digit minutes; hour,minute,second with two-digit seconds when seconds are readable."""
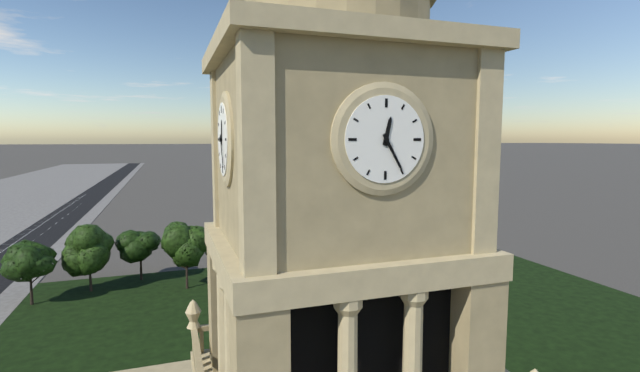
12,25
